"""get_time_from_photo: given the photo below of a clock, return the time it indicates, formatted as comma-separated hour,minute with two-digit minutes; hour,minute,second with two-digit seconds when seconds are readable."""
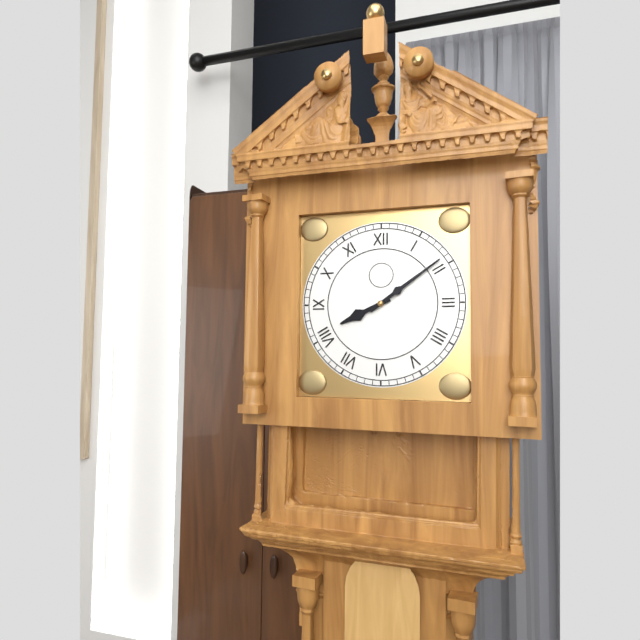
8,09
